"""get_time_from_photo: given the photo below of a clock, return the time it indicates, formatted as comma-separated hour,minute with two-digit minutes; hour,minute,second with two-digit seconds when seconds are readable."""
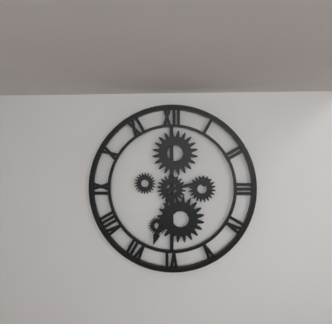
2,33
